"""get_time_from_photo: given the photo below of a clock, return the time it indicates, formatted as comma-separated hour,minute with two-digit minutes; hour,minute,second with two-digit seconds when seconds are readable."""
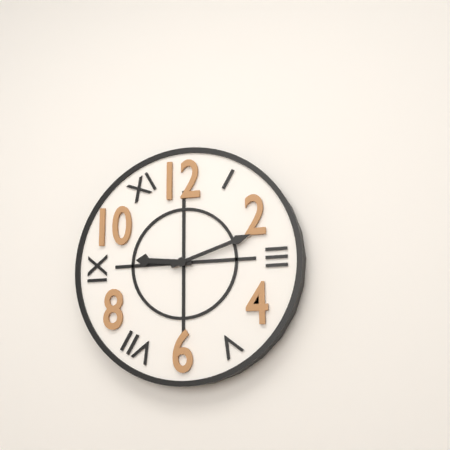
9,12
